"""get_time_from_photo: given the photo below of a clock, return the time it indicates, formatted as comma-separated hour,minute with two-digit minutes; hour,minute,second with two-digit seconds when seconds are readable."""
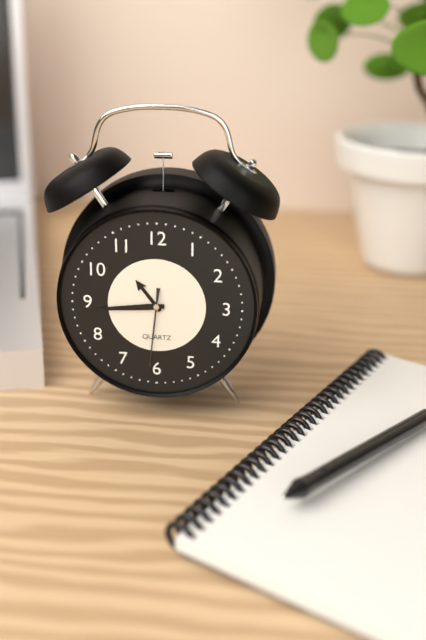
10,44,31
